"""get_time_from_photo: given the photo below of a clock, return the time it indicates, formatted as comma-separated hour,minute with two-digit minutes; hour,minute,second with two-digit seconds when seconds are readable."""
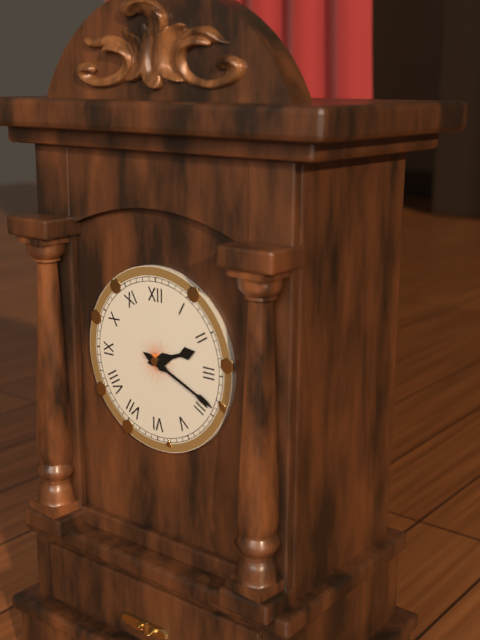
2,19
